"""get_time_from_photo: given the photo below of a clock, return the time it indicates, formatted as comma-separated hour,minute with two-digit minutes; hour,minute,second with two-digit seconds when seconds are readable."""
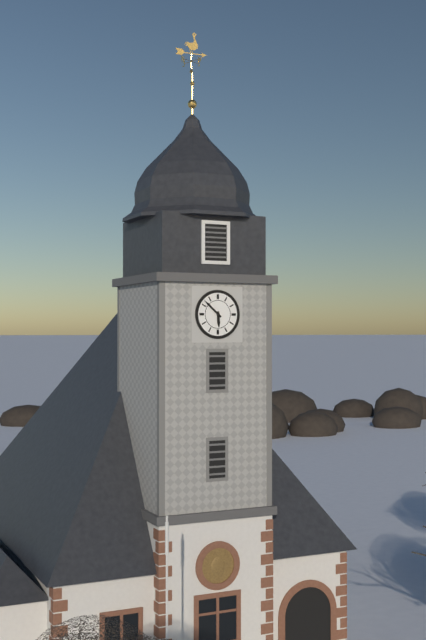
5,52
